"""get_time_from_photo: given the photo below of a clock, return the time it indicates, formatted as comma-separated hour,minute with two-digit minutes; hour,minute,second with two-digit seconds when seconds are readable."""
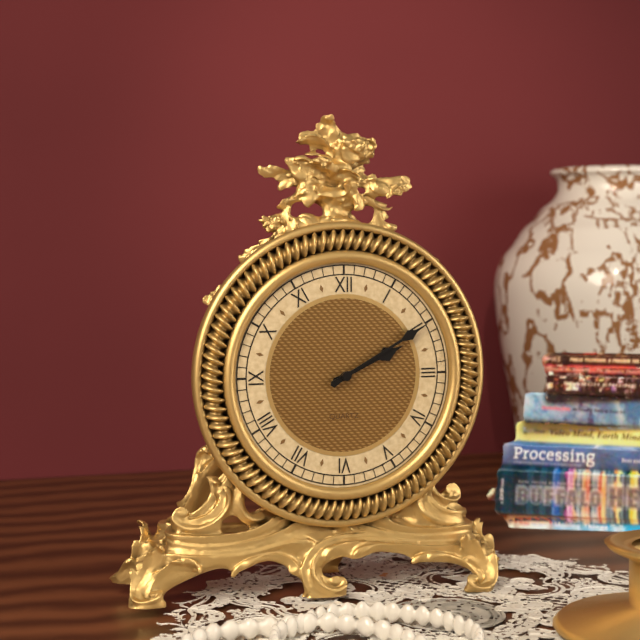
2,10
